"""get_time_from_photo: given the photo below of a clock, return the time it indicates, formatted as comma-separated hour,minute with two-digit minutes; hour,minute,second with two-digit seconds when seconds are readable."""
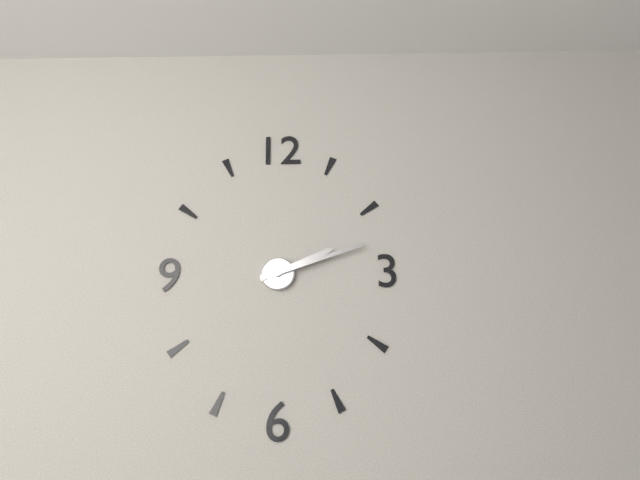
2,12
